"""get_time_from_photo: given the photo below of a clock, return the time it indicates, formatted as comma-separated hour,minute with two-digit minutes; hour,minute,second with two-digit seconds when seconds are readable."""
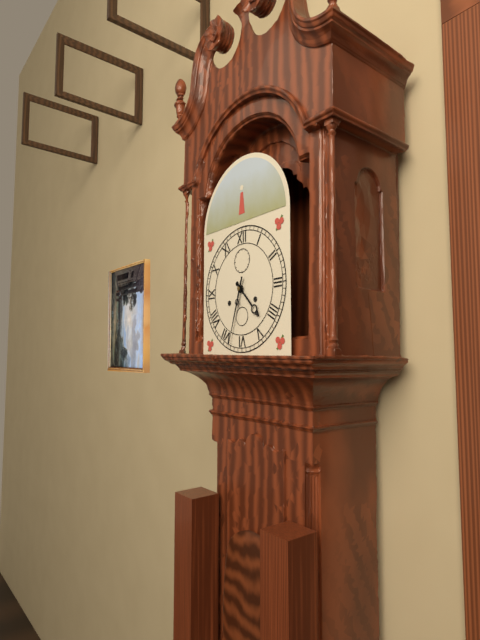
4,33
